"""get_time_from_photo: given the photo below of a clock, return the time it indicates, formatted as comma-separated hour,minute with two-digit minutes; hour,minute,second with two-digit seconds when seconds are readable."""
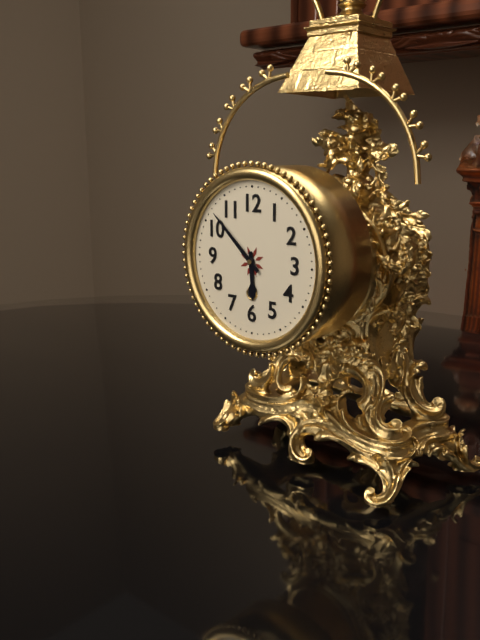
5,52
